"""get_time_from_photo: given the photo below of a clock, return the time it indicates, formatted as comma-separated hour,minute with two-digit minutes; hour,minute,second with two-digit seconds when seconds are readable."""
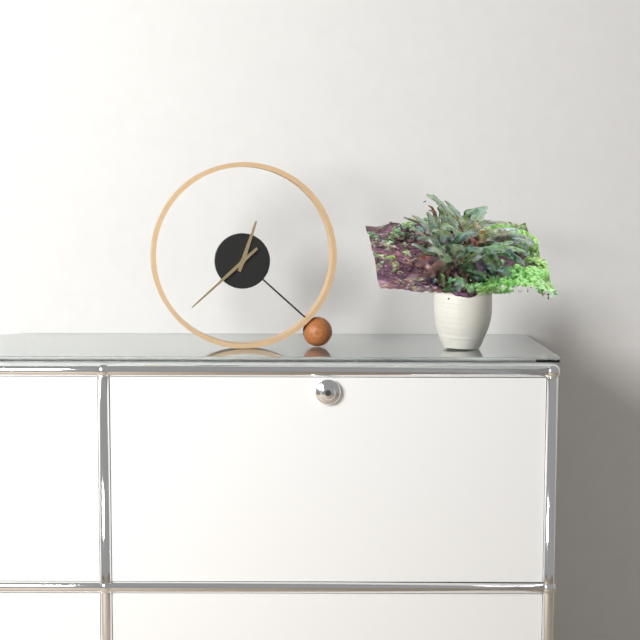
12,38
